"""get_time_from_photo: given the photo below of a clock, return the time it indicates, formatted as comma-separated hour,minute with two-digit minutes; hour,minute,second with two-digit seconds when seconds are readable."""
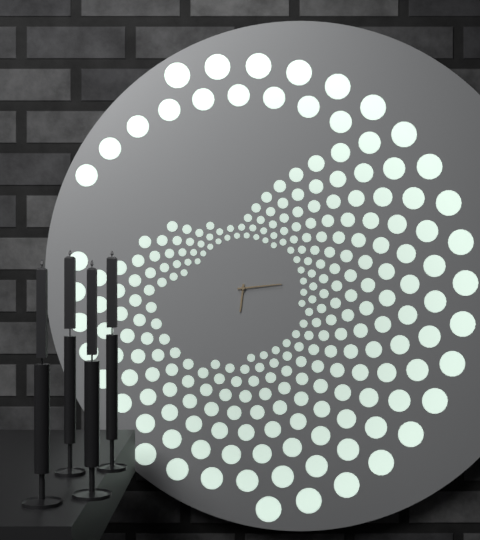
6,14
